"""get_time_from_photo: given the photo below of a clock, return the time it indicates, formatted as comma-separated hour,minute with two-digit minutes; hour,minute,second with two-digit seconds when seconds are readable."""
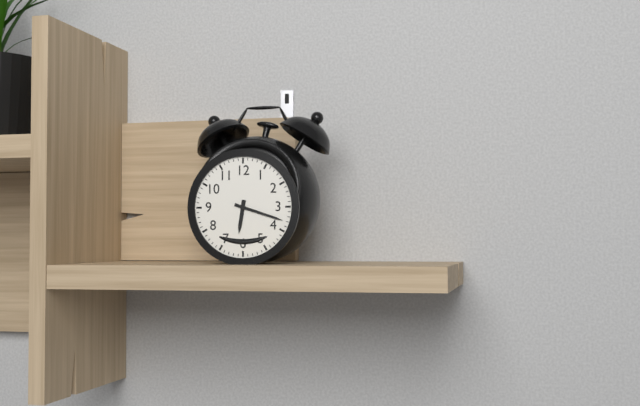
6,18
